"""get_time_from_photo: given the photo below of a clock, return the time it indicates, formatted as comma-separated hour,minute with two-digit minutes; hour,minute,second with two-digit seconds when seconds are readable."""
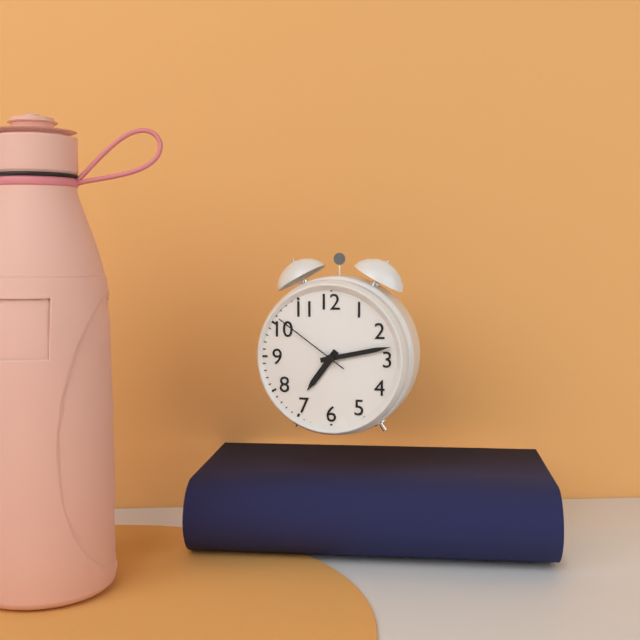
7,13,51
